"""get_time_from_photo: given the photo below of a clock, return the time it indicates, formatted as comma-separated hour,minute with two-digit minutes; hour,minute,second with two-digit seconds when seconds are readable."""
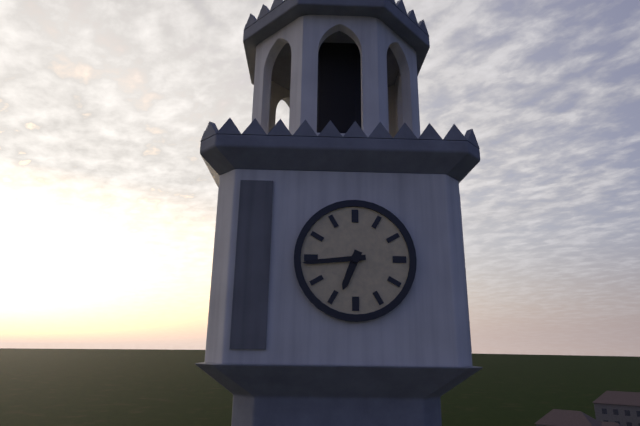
6,44
